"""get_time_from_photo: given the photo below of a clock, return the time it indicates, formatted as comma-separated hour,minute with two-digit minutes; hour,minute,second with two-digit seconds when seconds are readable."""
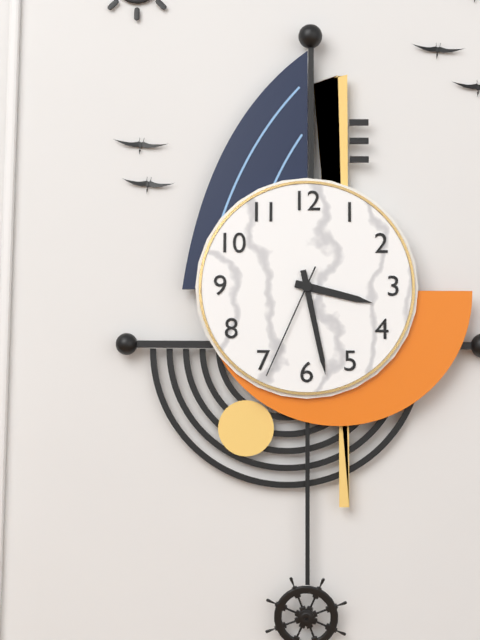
3,28,34
